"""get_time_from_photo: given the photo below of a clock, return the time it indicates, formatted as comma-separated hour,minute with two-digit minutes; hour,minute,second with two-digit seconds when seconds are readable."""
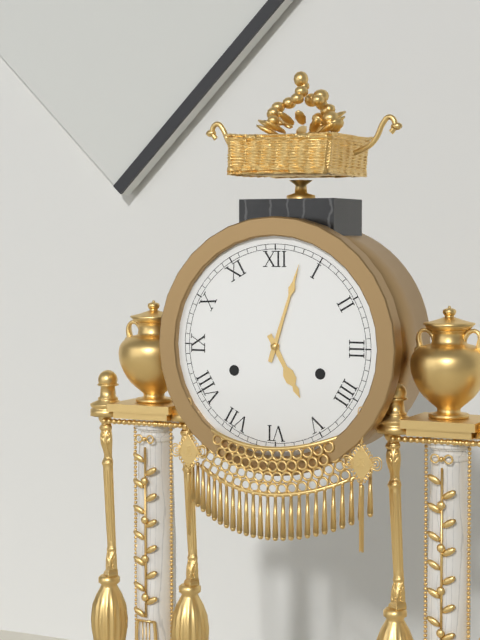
5,03
